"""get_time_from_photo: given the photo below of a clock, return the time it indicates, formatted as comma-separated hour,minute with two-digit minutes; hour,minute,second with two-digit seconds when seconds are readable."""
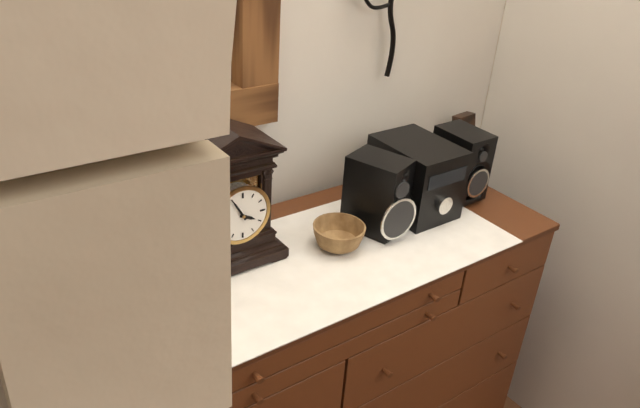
3,55
